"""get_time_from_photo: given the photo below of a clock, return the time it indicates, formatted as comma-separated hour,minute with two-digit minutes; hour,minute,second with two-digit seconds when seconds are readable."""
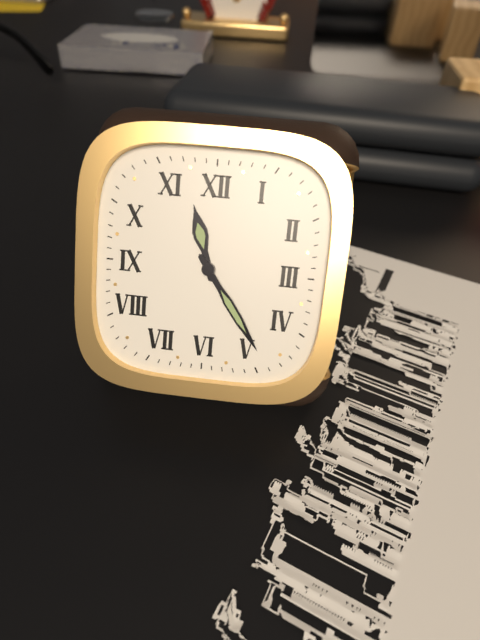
11,24
